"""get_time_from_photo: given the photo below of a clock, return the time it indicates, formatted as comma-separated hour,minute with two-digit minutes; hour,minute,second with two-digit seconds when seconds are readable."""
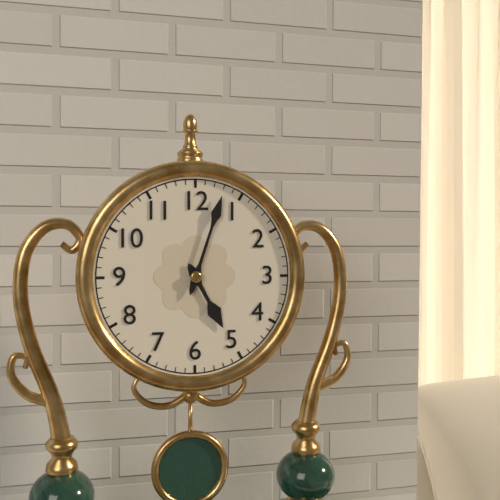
5,03
